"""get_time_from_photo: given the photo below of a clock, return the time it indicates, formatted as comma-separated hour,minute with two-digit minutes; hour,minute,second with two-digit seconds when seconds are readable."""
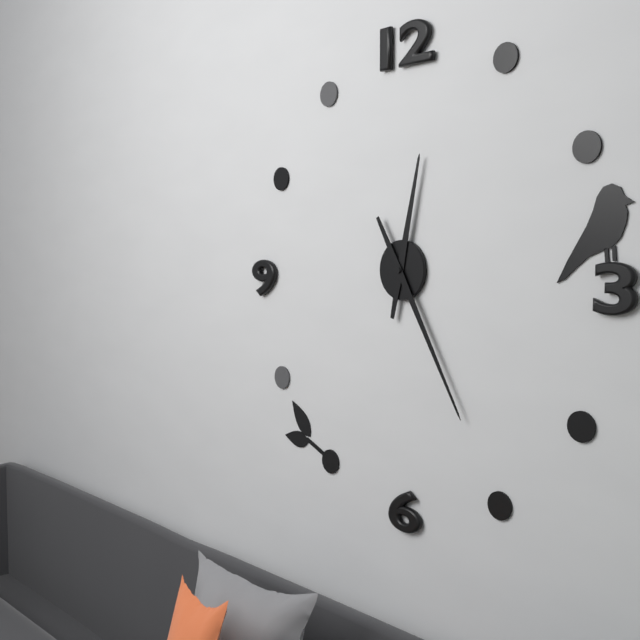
12,25
